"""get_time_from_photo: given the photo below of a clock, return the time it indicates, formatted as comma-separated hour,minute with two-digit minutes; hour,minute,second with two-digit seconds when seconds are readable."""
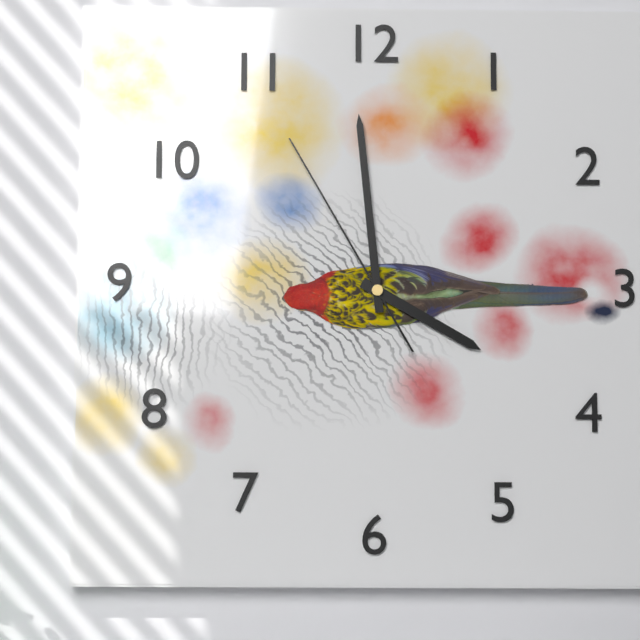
3,59,55
